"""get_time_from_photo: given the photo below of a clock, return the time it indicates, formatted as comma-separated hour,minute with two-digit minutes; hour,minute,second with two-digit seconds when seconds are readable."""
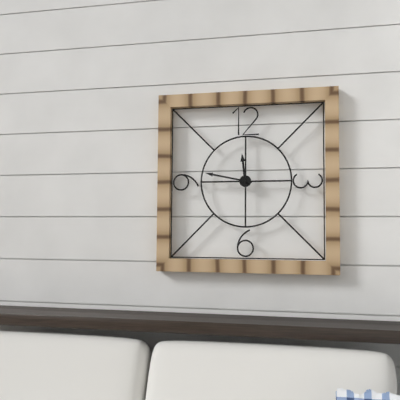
11,47
